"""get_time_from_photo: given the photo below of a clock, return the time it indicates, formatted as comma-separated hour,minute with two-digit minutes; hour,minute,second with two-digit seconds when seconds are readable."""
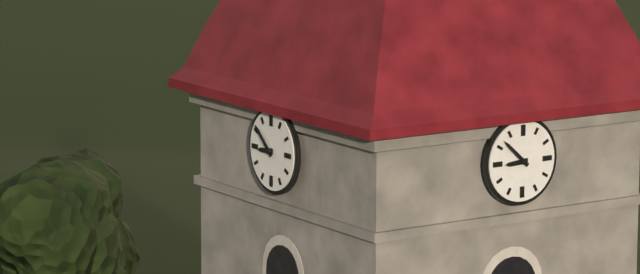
8,52
